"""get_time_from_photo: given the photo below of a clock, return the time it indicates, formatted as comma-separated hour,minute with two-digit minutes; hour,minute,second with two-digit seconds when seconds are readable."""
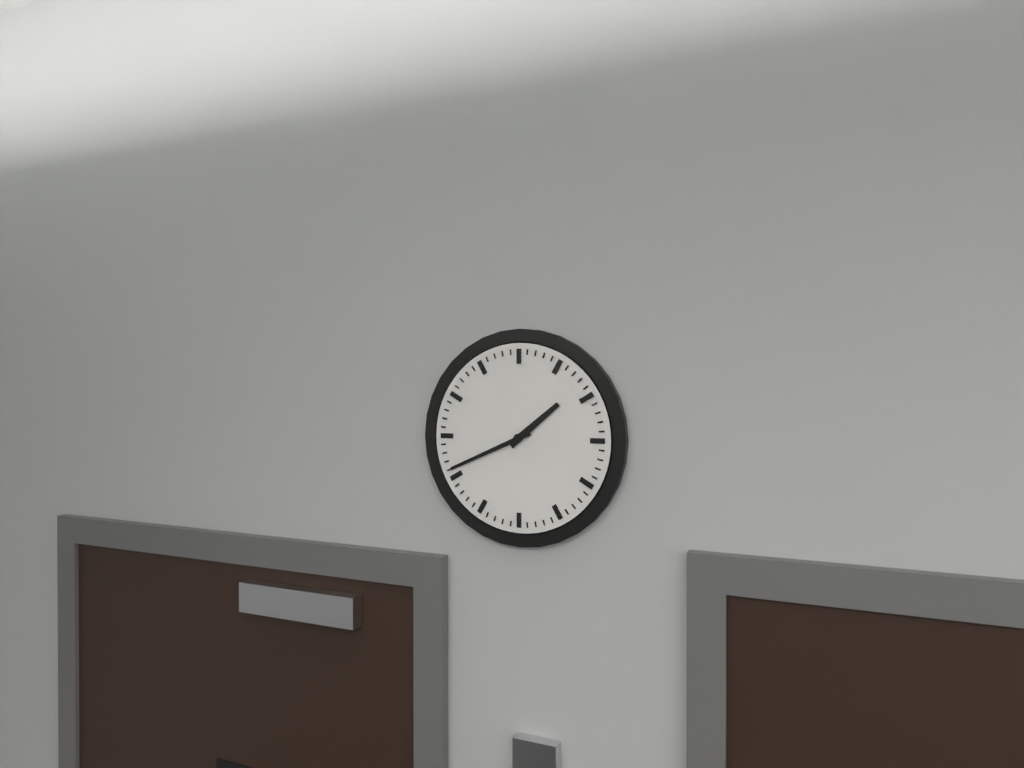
1,41
